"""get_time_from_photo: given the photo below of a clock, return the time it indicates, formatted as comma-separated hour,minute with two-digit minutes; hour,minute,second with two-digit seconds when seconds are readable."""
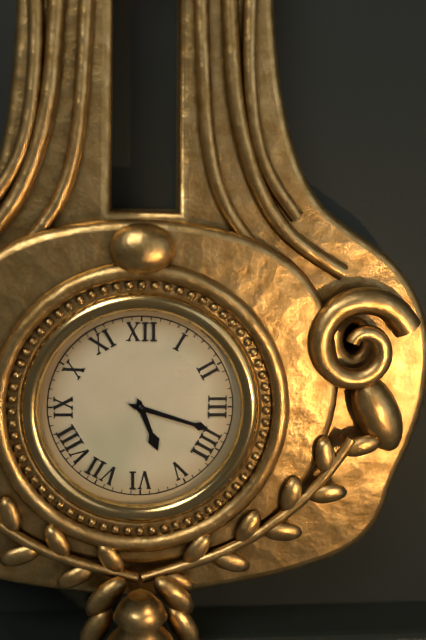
5,18
